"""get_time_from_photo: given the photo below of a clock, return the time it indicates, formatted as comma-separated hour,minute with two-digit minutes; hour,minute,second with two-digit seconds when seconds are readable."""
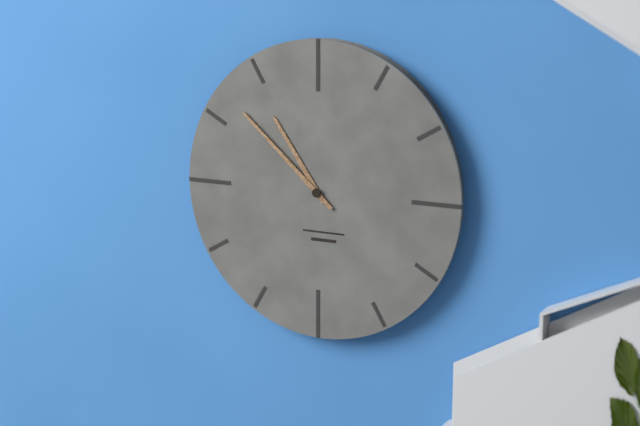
10,52
